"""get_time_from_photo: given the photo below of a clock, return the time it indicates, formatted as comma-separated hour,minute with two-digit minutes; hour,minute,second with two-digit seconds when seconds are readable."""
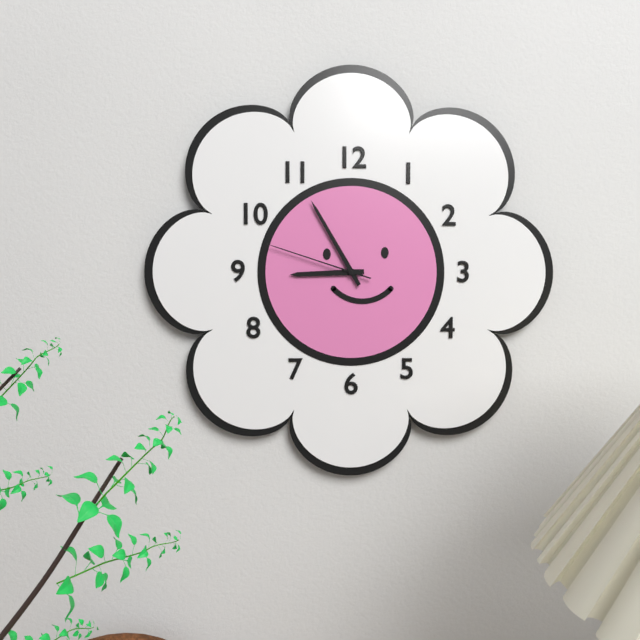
8,55,48
